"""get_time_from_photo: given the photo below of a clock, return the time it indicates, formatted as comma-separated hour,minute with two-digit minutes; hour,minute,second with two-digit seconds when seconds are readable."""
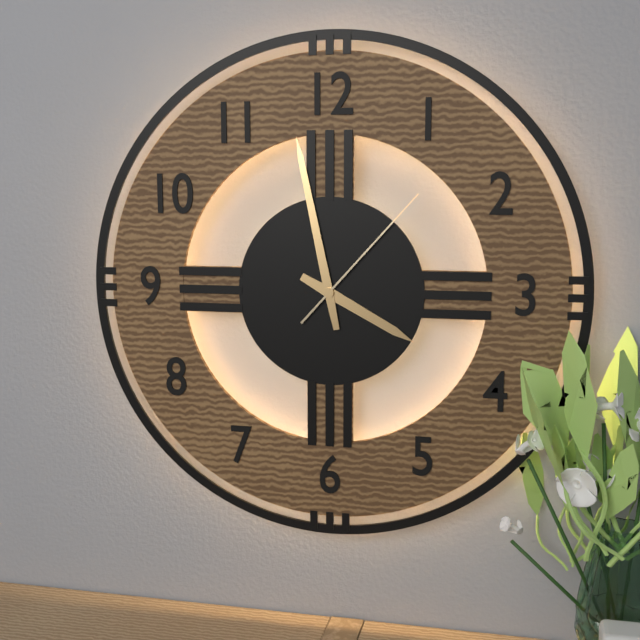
3,58,07
